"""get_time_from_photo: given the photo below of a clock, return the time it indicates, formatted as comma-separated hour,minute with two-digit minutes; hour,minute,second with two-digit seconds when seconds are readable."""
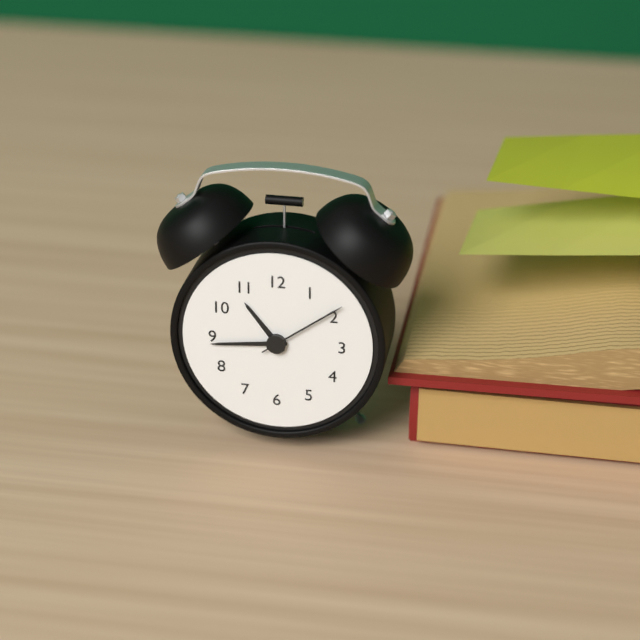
10,44,09
